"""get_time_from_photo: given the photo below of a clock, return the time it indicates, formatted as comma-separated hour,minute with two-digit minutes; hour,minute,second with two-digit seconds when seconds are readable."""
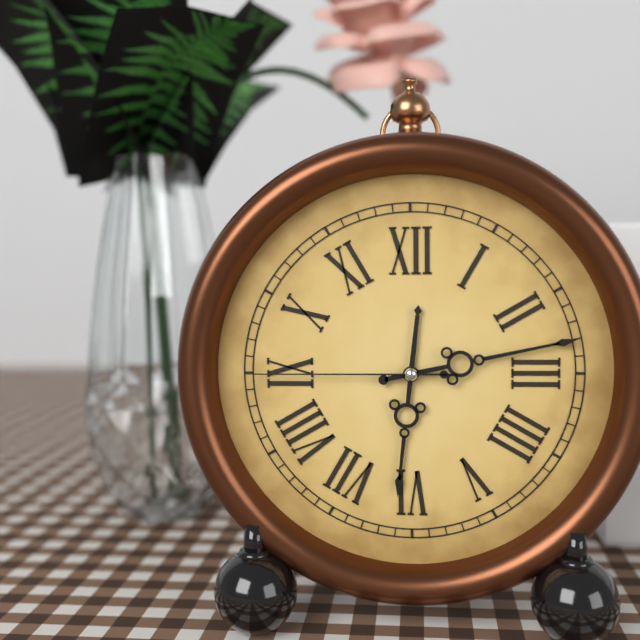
6,13,45
